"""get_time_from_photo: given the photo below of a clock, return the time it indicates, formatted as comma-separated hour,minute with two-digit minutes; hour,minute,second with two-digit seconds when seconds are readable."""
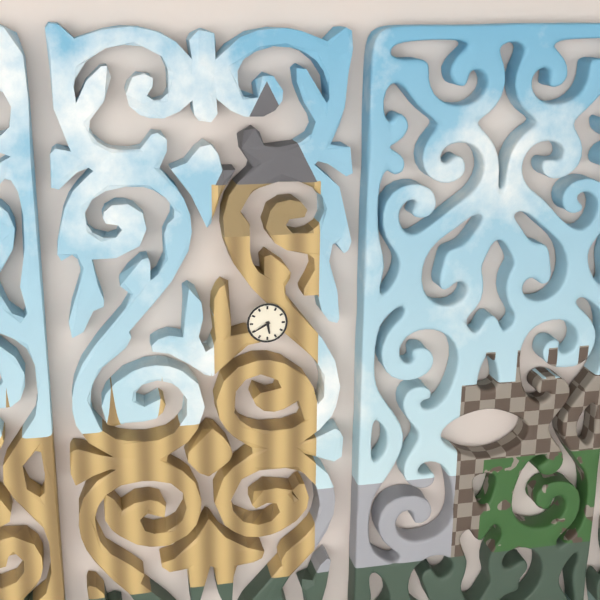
5,40
